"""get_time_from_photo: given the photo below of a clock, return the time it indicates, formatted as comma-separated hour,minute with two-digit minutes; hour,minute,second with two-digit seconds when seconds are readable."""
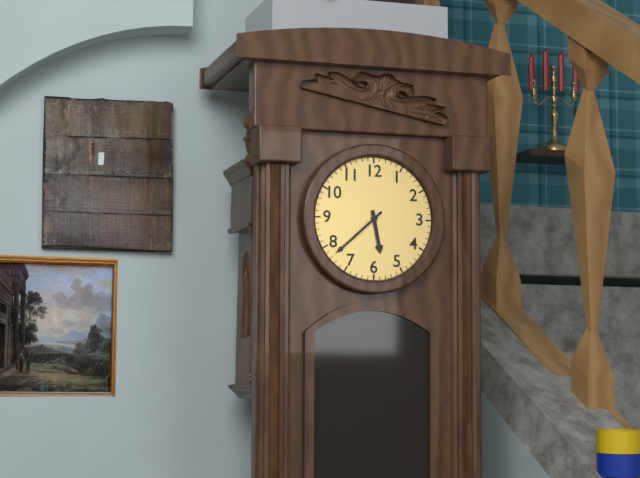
5,38
